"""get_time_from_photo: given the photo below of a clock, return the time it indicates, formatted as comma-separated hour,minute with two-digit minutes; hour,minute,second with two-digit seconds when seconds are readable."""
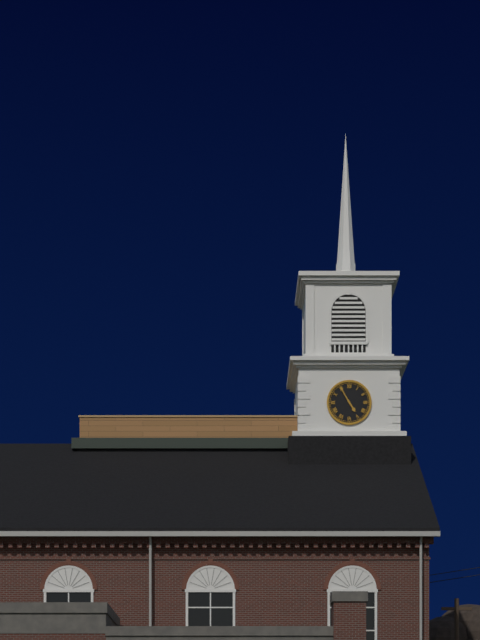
4,55
